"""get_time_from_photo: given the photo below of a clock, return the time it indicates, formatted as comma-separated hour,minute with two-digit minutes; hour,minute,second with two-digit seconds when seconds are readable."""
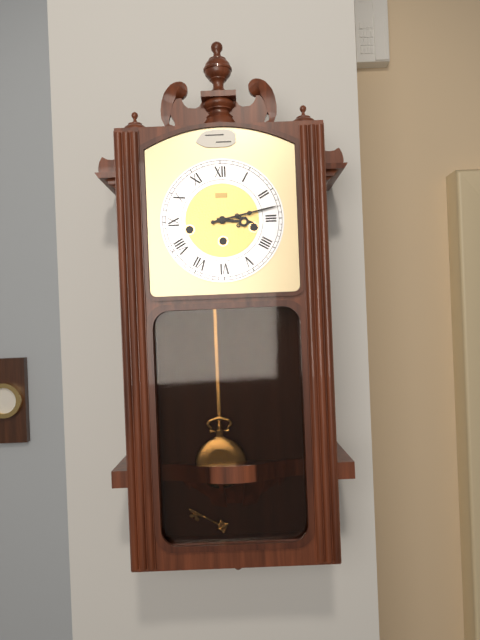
3,13
